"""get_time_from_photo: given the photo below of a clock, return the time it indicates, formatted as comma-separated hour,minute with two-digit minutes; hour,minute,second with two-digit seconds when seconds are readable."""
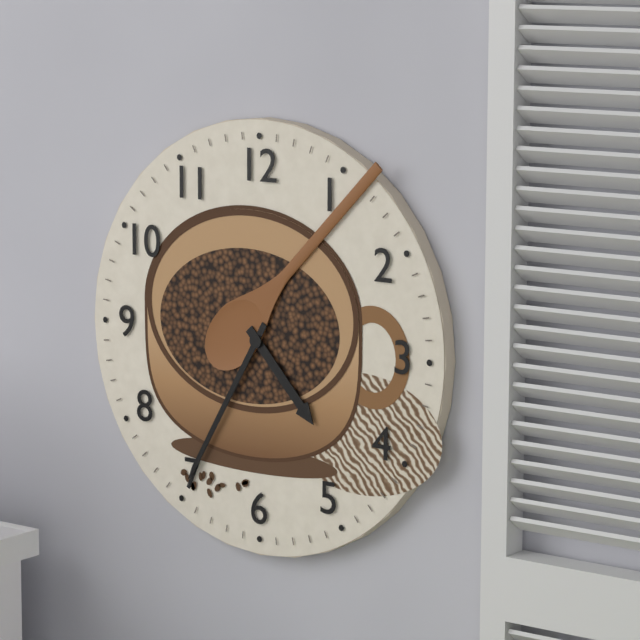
4,35
